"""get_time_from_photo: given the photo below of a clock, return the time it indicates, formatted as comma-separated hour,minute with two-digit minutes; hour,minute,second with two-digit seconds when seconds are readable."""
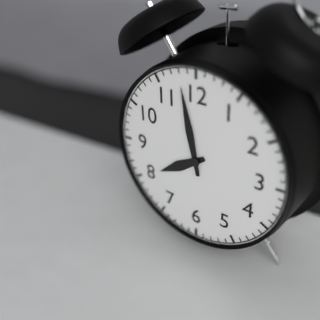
7,58
